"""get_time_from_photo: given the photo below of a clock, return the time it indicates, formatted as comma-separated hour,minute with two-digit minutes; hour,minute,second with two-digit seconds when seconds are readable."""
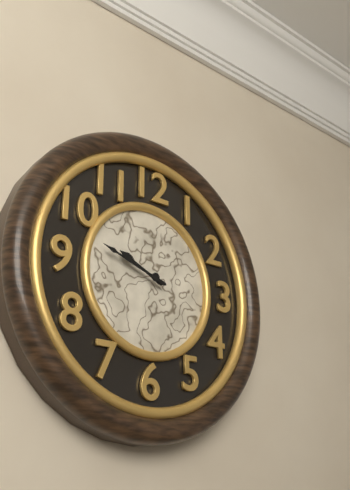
9,48
